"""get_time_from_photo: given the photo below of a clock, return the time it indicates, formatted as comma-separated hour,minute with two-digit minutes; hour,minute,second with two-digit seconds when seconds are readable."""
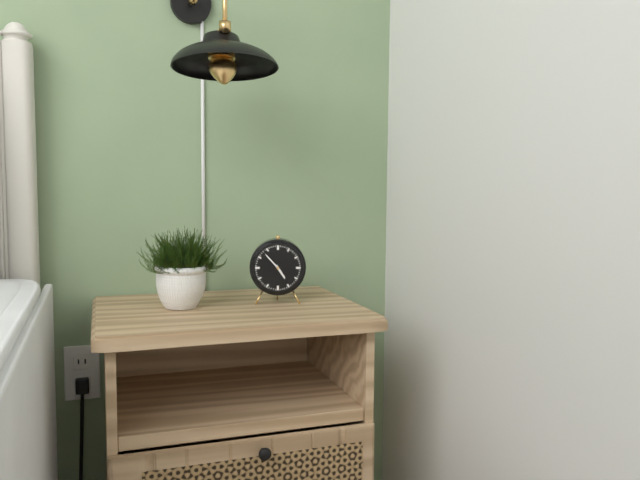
4,53
